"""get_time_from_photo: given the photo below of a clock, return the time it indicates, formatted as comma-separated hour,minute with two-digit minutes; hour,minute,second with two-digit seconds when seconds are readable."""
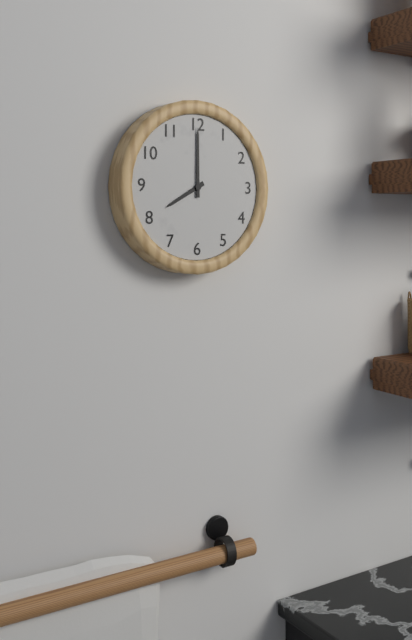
8,00
